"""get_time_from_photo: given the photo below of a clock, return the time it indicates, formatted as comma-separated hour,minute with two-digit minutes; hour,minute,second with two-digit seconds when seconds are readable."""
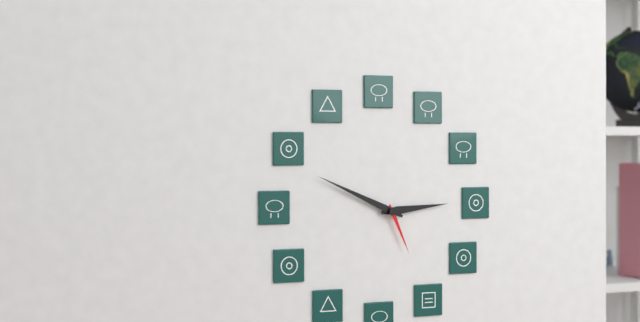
2,49,26
